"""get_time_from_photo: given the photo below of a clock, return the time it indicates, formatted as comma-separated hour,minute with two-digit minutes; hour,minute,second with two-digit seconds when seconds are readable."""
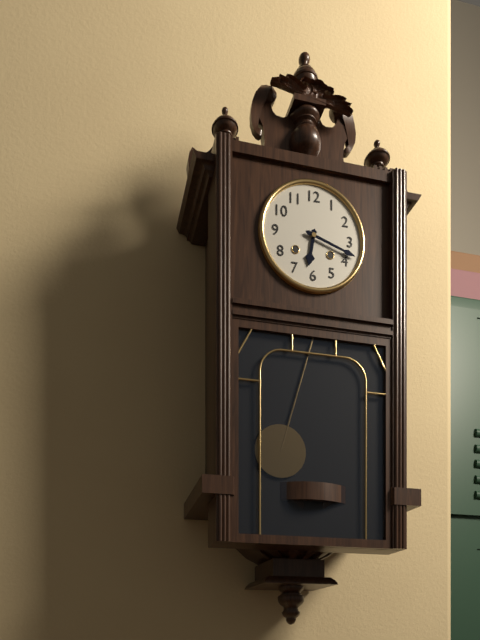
6,18
